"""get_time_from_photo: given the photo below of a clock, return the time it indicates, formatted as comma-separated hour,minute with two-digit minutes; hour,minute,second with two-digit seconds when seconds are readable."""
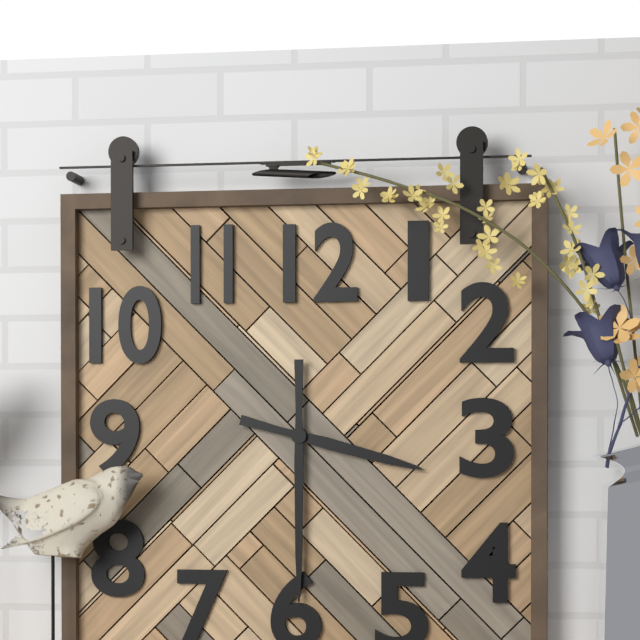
3,30
